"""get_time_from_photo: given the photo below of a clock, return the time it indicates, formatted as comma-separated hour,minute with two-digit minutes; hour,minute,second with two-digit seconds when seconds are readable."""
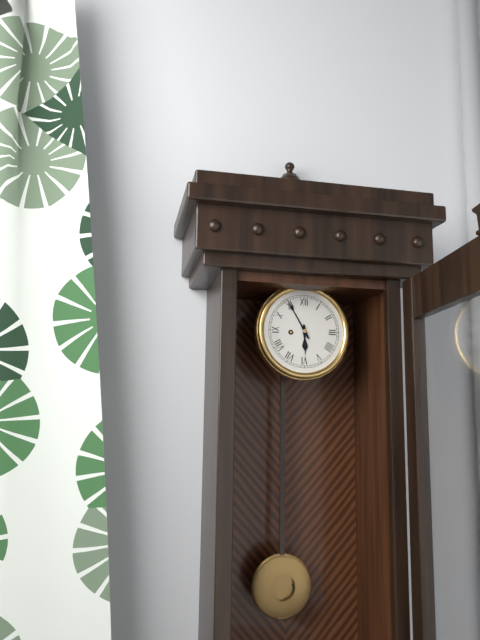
5,55
